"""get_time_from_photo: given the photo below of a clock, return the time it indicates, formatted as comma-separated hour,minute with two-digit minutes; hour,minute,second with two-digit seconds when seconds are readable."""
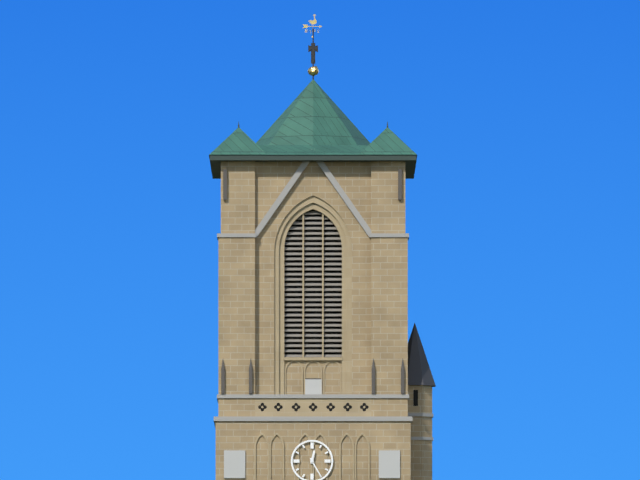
12,25
